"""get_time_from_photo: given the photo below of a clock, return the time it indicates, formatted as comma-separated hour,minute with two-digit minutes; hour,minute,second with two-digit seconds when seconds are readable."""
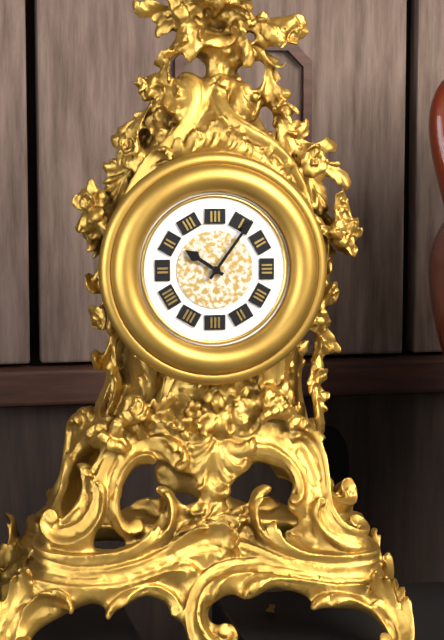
10,06
